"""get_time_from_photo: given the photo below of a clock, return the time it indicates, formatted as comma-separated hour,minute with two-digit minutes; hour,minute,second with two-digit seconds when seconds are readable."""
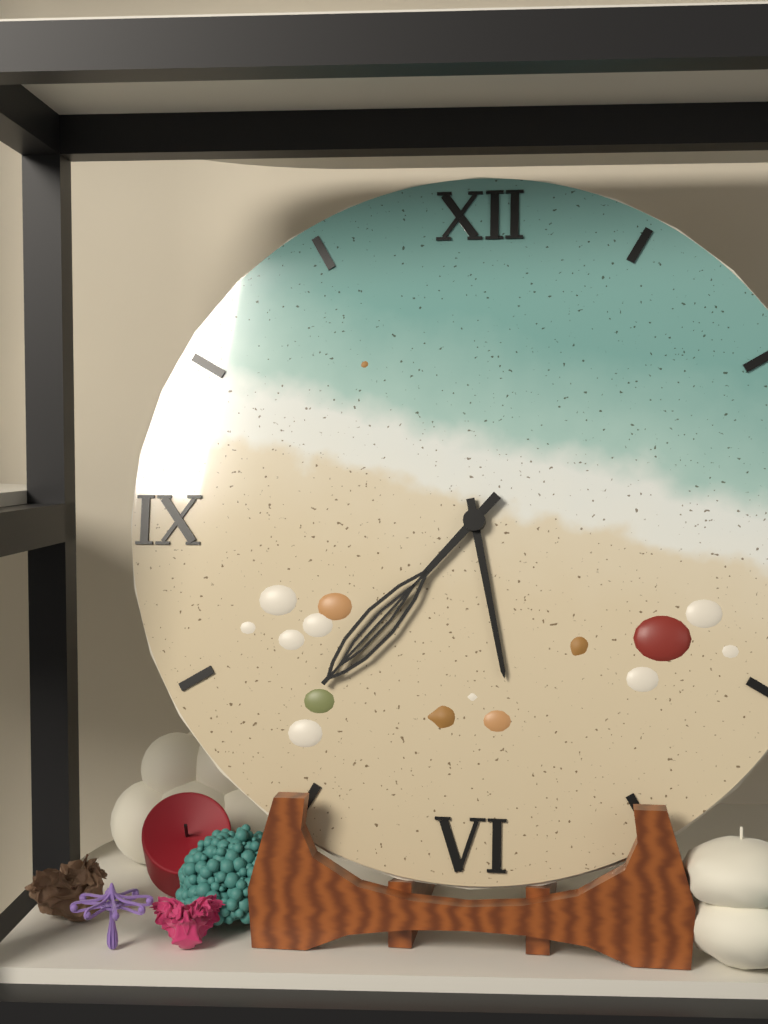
5,37
